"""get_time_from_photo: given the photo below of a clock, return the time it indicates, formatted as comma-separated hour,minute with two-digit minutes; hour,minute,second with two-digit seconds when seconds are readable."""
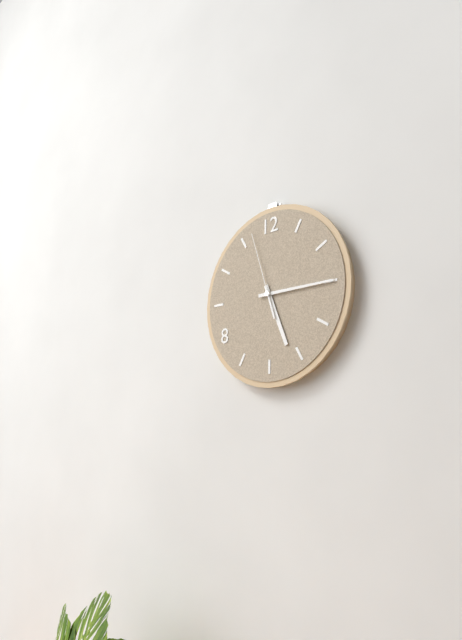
5,15,57
